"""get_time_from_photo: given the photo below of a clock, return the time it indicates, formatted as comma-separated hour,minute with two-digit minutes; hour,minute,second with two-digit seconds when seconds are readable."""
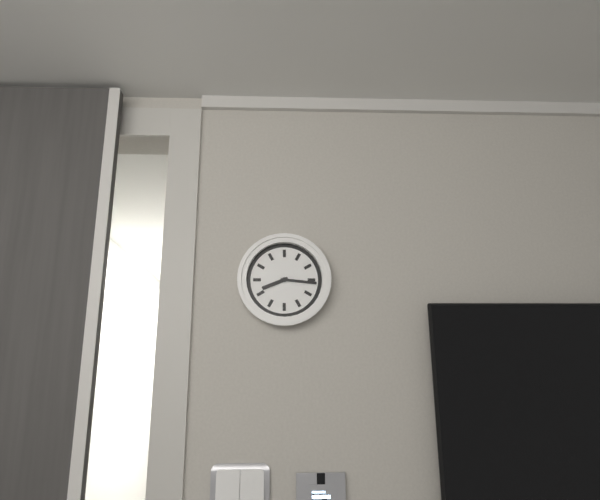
8,16
